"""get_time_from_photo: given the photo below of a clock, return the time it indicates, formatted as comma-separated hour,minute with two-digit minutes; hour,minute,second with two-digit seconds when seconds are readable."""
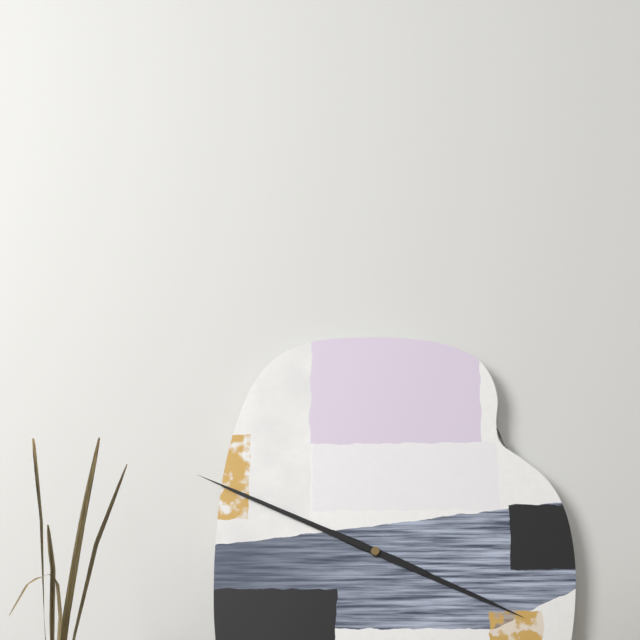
3,49
